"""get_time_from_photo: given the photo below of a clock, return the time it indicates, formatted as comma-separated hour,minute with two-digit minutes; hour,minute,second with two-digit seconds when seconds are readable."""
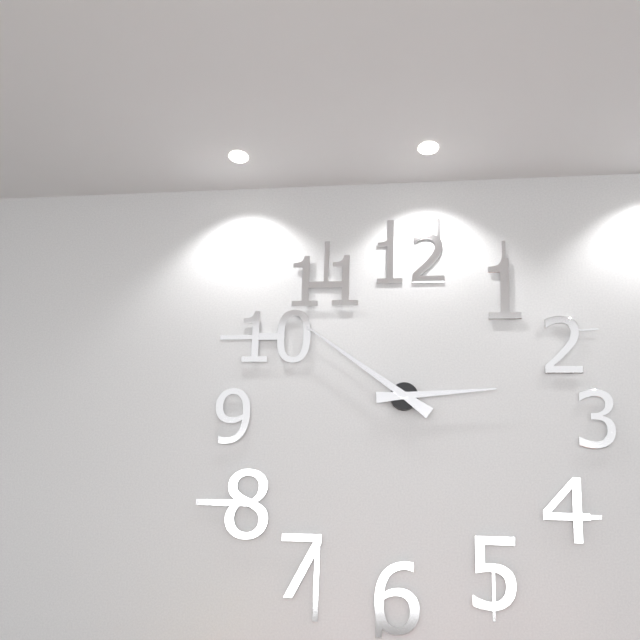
2,51
